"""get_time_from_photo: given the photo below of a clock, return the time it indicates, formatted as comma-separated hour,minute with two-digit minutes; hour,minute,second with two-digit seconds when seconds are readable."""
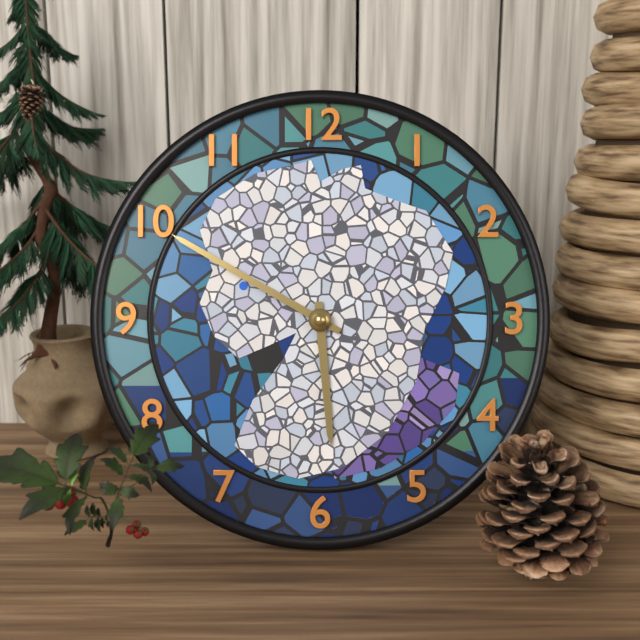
5,50
